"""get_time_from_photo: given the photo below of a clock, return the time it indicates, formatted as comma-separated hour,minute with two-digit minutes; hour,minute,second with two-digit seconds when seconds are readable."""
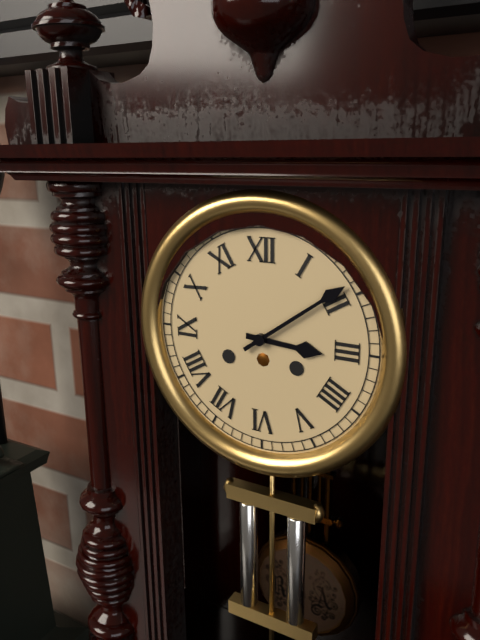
3,09
